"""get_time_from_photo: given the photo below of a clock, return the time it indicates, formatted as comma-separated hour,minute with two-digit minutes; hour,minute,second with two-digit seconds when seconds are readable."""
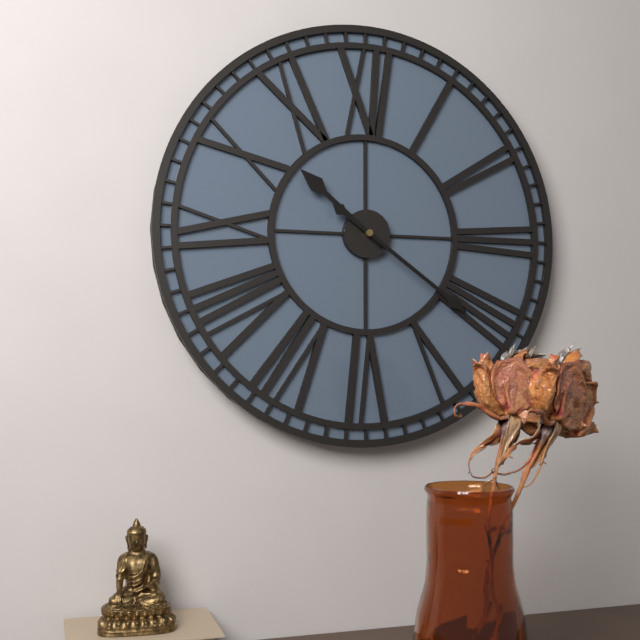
10,21
